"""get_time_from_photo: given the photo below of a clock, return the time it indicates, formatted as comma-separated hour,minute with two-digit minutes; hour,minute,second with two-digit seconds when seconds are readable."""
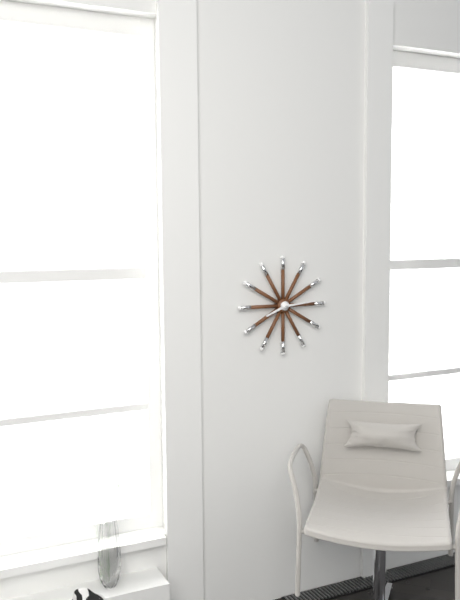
8,14
